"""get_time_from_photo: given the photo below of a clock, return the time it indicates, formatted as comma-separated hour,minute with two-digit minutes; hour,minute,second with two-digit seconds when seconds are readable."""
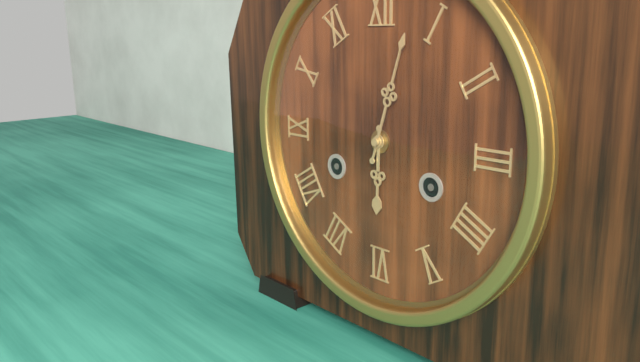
6,03
